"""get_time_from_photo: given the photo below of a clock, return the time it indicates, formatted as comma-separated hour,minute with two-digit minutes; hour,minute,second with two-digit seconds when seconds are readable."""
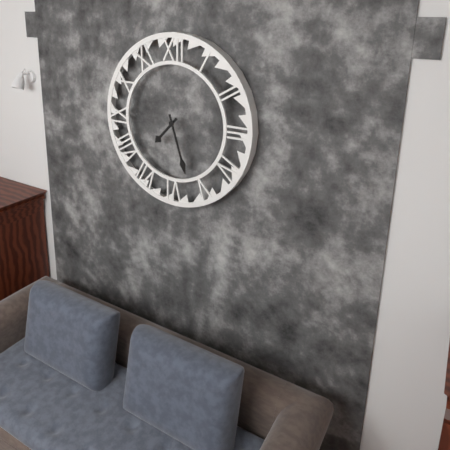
7,27
